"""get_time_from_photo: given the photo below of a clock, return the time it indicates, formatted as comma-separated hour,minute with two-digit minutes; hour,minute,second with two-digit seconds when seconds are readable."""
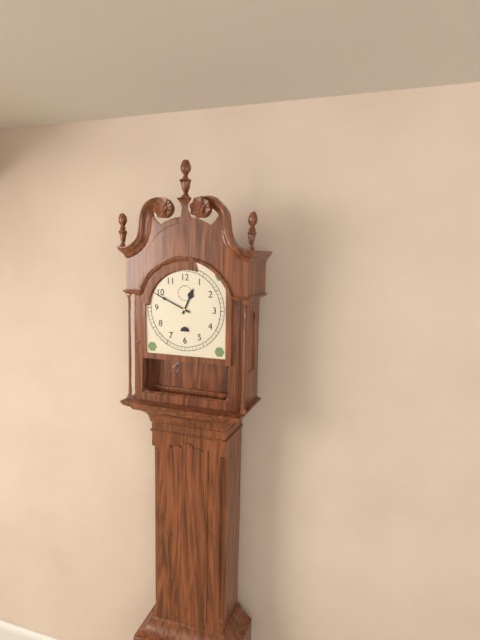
12,49
